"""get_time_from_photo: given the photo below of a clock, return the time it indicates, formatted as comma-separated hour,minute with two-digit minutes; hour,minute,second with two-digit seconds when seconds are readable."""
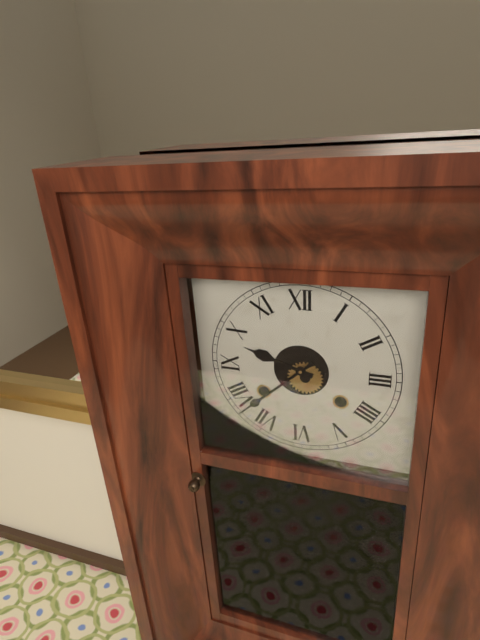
9,38
